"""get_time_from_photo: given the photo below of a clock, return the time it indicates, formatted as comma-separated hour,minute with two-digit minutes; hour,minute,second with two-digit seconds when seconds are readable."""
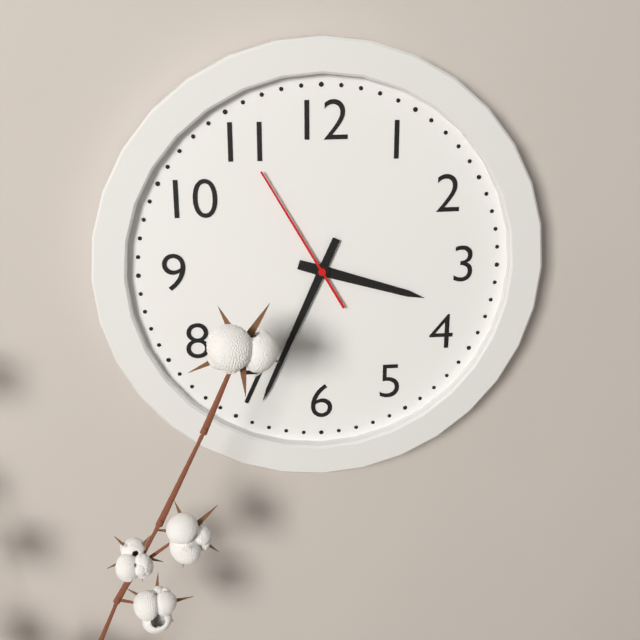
3,34,55
